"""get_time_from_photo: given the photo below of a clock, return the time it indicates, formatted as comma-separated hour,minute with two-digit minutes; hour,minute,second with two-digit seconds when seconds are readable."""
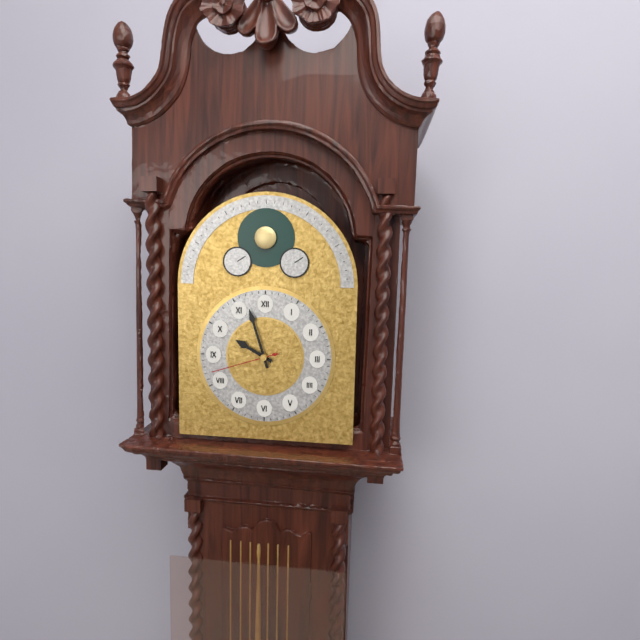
9,57,42
